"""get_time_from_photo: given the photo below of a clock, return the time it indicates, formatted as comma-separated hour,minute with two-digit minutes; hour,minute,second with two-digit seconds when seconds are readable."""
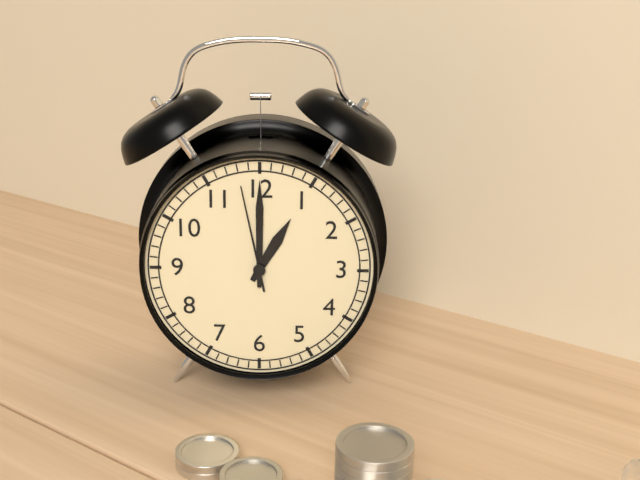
1,00,58
